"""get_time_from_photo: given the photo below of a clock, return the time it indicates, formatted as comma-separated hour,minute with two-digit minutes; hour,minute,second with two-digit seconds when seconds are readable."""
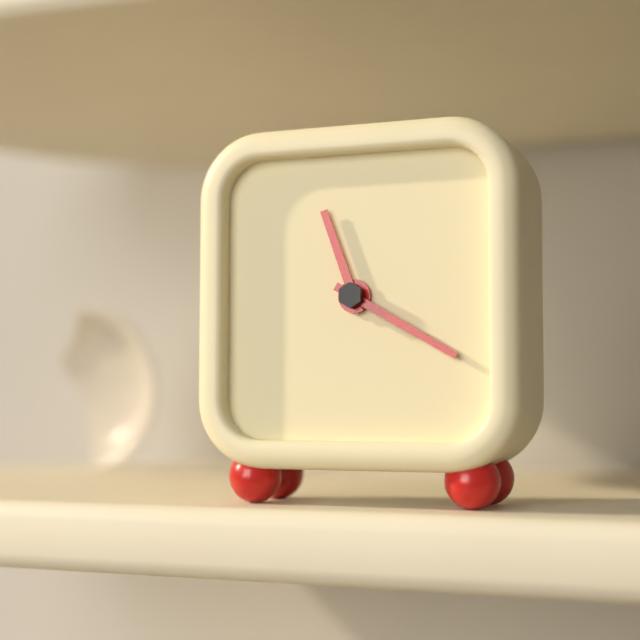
11,20
